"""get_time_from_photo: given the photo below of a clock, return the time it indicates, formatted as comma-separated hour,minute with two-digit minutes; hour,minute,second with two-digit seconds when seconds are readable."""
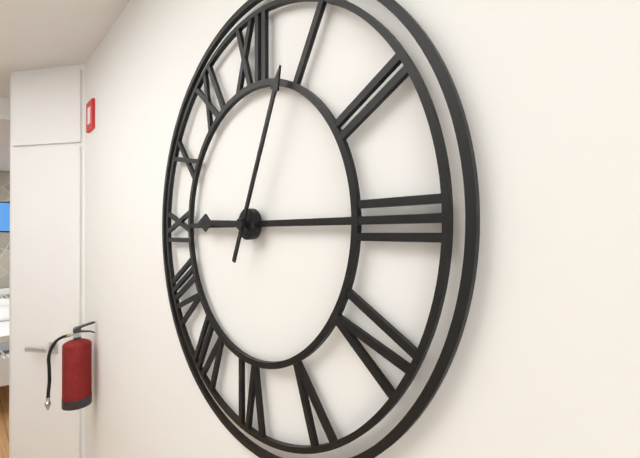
9,04
